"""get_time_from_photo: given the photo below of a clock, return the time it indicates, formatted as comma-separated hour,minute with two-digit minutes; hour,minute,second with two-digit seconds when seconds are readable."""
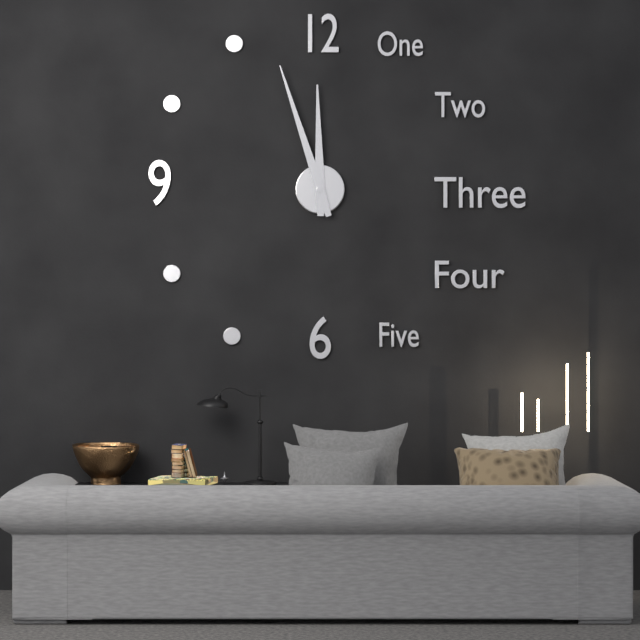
11,57
